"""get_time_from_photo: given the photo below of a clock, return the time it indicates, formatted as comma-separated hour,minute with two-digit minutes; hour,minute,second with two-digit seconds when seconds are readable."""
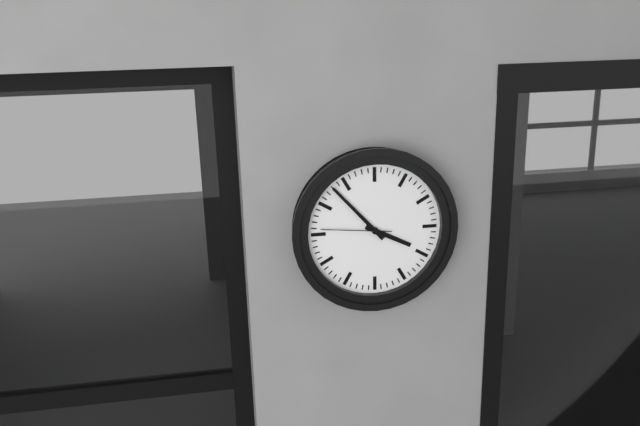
3,53,46
